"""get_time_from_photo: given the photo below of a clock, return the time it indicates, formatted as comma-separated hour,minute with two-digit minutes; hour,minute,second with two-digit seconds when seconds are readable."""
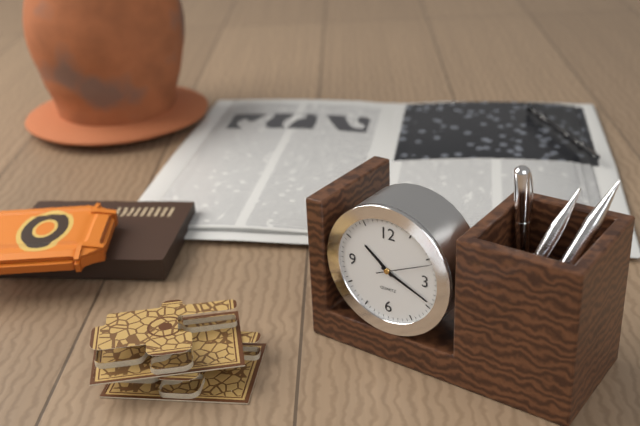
10,19
